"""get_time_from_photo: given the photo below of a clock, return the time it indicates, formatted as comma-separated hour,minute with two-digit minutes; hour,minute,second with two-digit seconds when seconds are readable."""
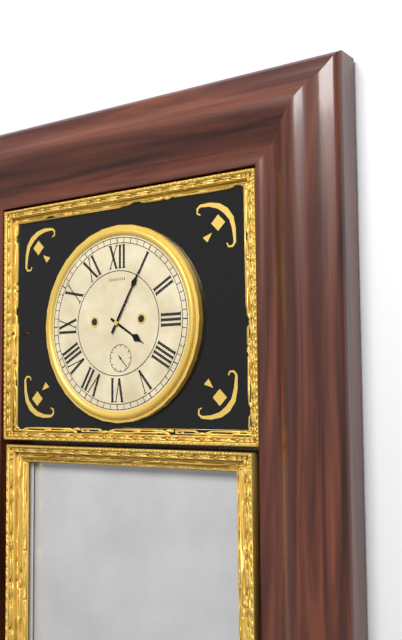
4,05
